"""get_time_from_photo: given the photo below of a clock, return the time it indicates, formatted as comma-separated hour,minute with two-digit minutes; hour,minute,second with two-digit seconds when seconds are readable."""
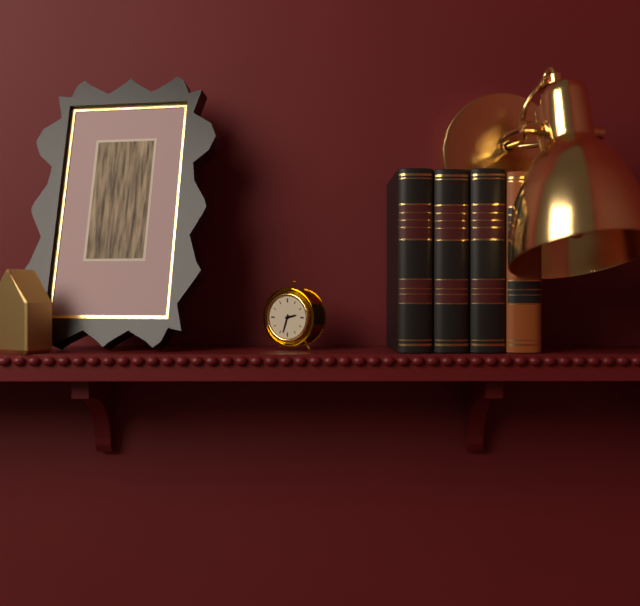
2,33
